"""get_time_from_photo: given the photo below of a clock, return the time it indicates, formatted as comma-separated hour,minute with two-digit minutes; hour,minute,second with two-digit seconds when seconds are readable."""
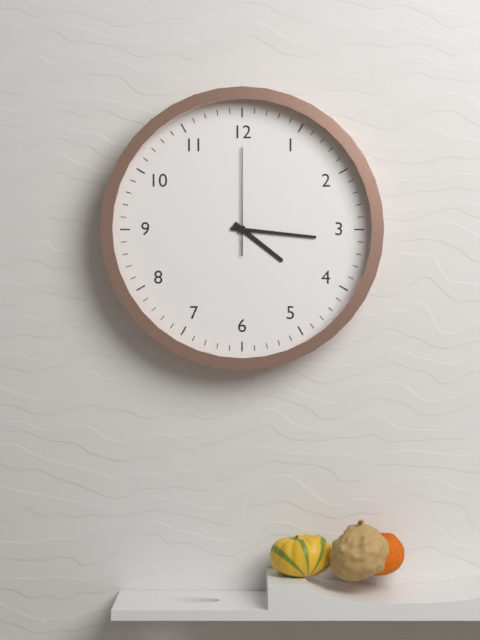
4,16,00
